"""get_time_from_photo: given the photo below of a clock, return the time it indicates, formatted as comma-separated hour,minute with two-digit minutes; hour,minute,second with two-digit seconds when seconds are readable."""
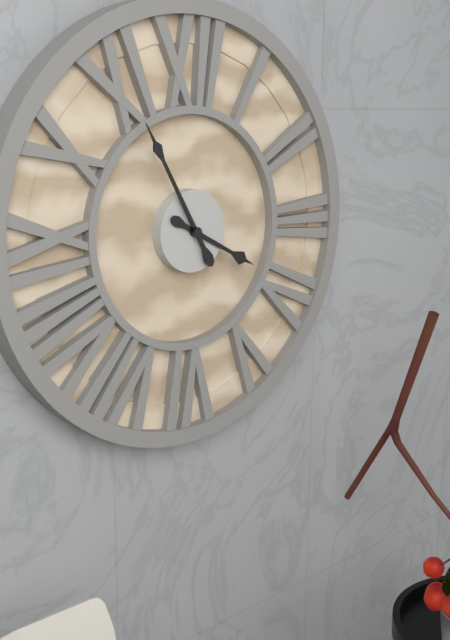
3,55
